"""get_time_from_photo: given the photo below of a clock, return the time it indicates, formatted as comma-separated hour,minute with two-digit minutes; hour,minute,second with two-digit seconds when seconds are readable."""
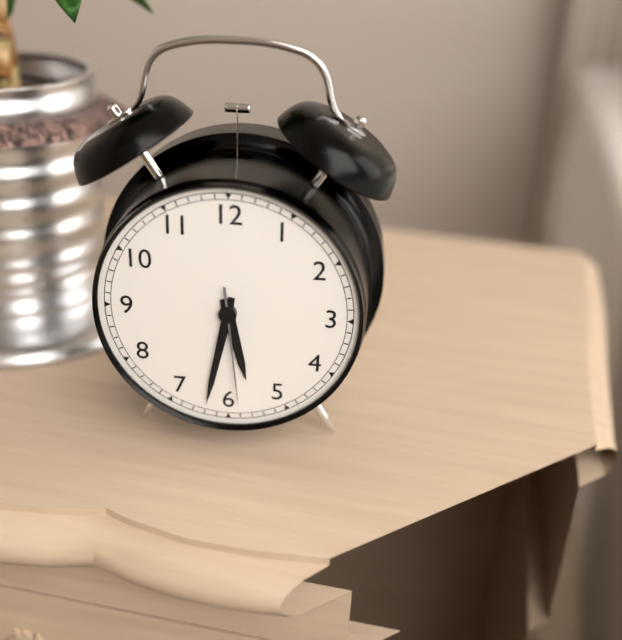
5,32,29
